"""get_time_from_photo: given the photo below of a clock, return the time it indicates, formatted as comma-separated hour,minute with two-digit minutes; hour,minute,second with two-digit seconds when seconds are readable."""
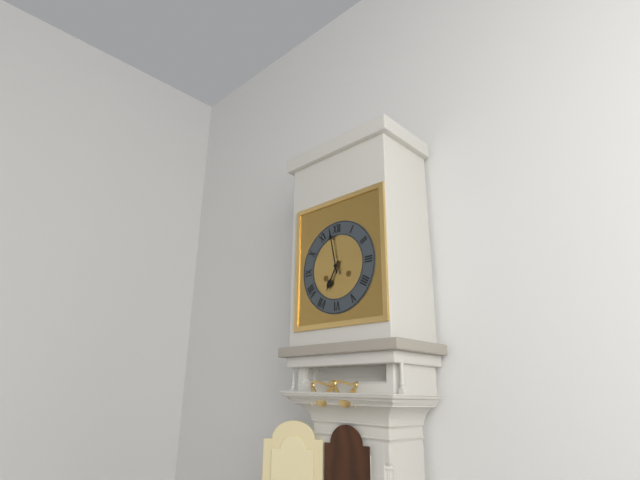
6,58
